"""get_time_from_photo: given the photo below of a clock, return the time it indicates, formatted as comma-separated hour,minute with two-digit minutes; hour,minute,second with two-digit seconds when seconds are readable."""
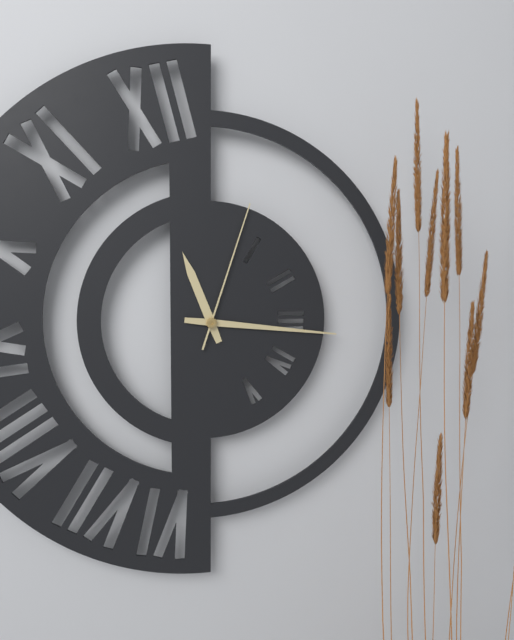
11,16,03
